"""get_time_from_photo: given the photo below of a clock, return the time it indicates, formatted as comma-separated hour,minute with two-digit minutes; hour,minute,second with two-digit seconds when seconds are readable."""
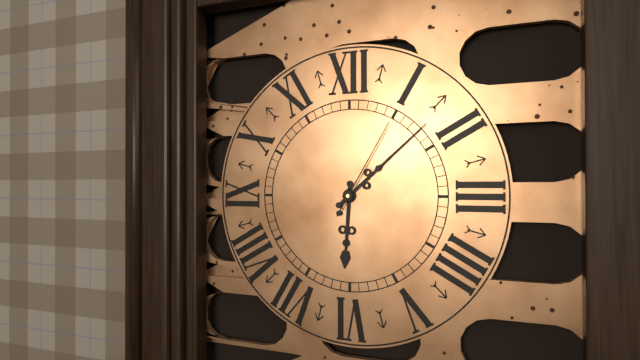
6,08,05
